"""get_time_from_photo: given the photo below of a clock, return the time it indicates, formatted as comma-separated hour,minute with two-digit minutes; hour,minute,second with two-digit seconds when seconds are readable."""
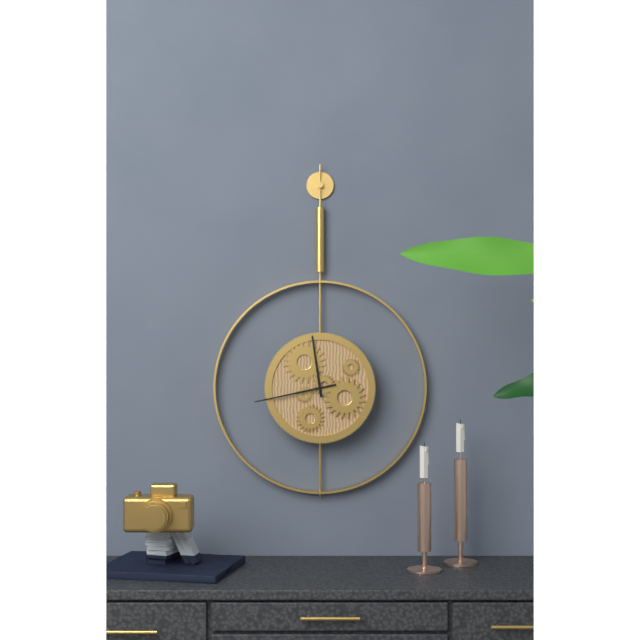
11,43
